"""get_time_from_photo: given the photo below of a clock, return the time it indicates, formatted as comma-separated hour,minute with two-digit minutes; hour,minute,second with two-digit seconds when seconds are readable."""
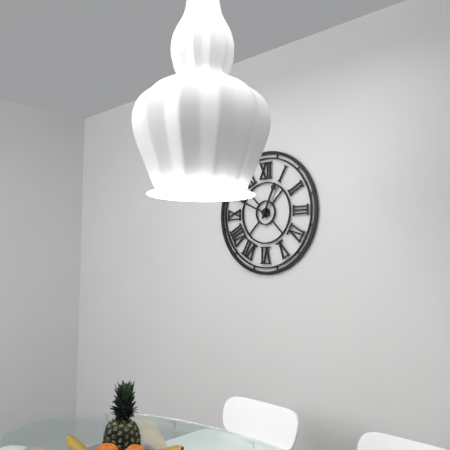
12,49
